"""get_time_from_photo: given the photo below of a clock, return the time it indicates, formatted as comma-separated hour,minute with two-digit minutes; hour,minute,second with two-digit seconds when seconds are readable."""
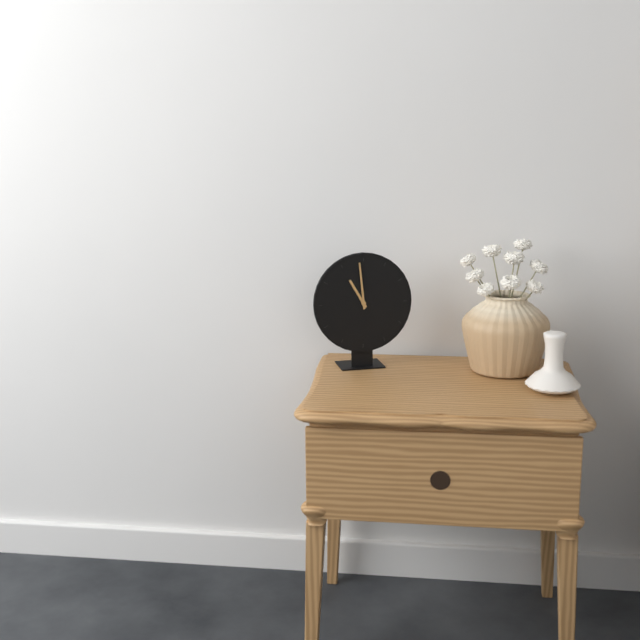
10,59
